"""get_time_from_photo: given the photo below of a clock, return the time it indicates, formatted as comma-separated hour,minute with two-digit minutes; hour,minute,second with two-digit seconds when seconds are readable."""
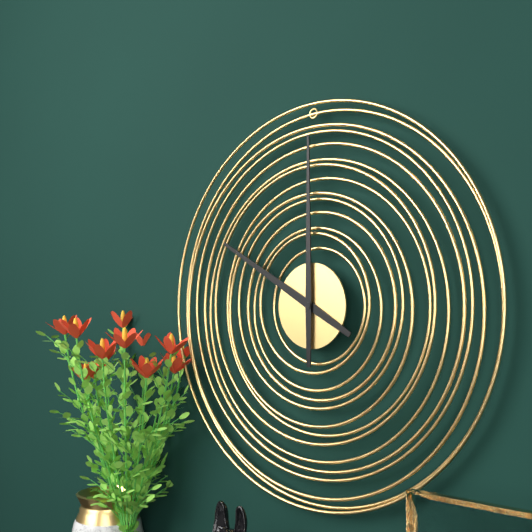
10,00
